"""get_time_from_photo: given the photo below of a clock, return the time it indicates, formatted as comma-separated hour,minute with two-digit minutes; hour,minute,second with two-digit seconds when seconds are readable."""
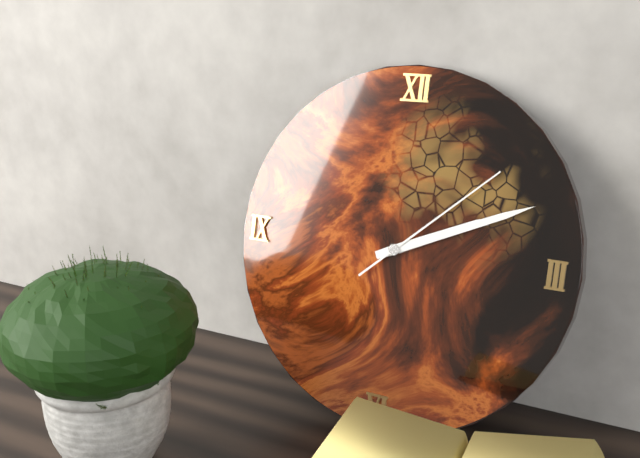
2,11,08
